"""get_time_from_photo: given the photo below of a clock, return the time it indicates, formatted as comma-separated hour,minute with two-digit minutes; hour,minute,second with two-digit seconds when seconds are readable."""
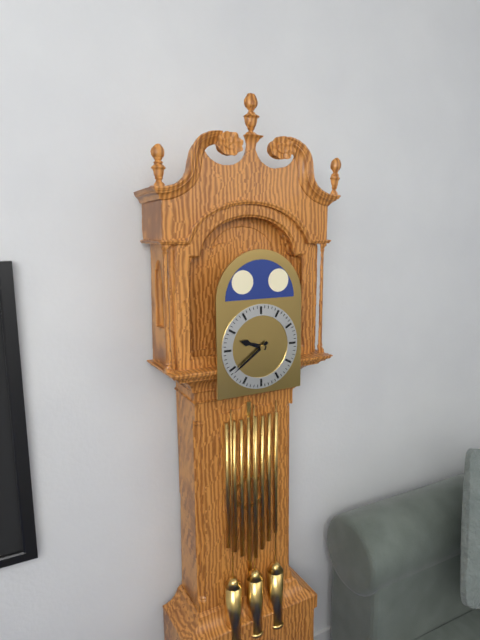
9,39
